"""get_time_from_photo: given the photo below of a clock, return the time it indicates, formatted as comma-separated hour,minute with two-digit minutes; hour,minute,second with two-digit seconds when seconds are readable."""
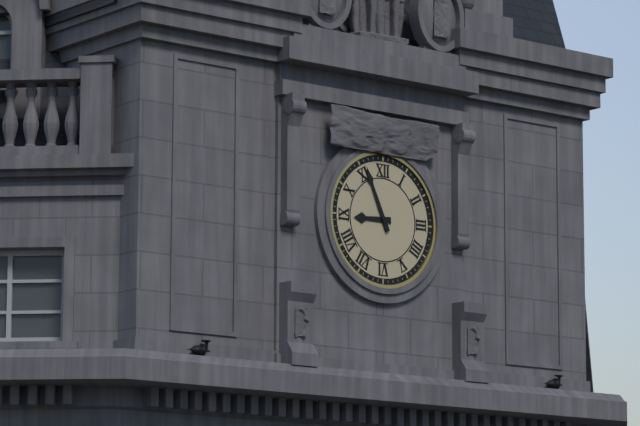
8,56
